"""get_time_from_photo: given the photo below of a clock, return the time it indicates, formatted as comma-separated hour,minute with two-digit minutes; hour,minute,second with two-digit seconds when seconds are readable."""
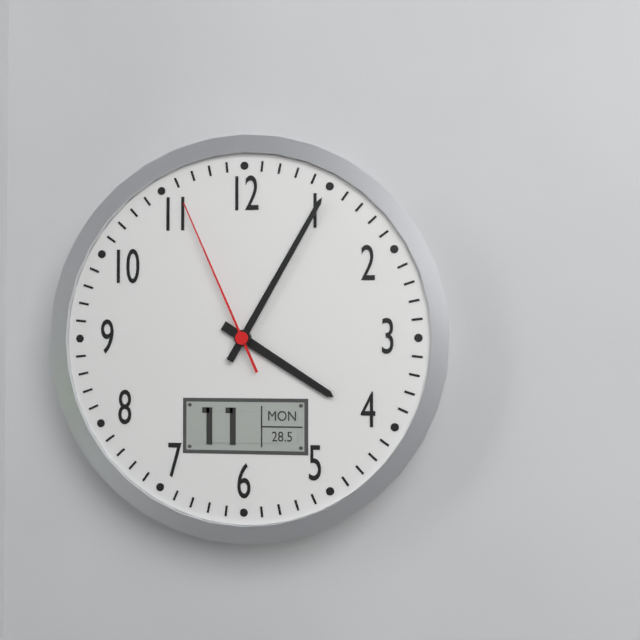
4,05,56
